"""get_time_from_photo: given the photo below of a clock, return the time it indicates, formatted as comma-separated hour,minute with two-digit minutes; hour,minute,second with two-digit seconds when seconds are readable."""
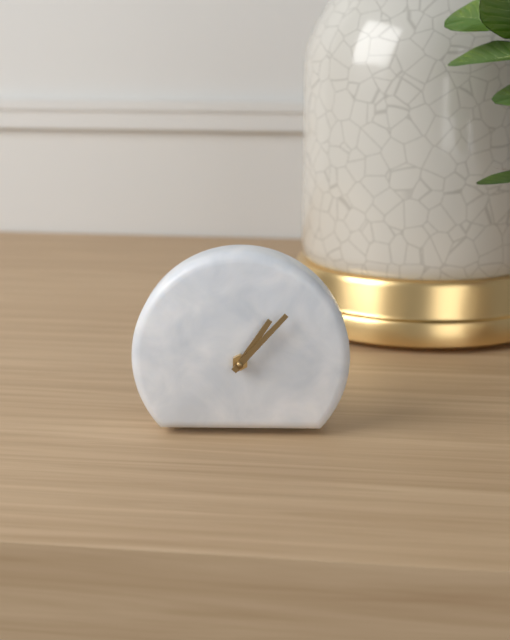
1,07
